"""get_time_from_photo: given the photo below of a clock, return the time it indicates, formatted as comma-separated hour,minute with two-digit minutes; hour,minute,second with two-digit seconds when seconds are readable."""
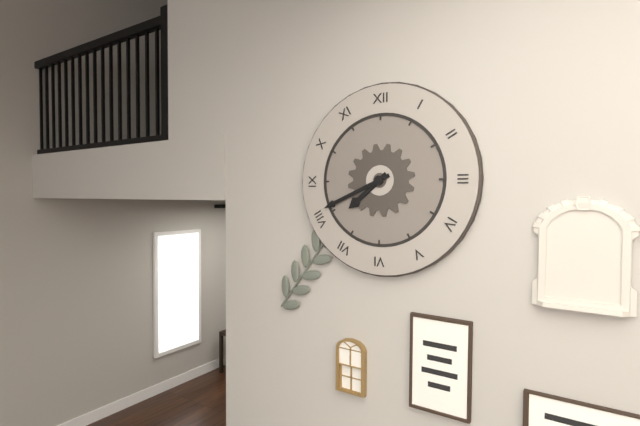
7,41
